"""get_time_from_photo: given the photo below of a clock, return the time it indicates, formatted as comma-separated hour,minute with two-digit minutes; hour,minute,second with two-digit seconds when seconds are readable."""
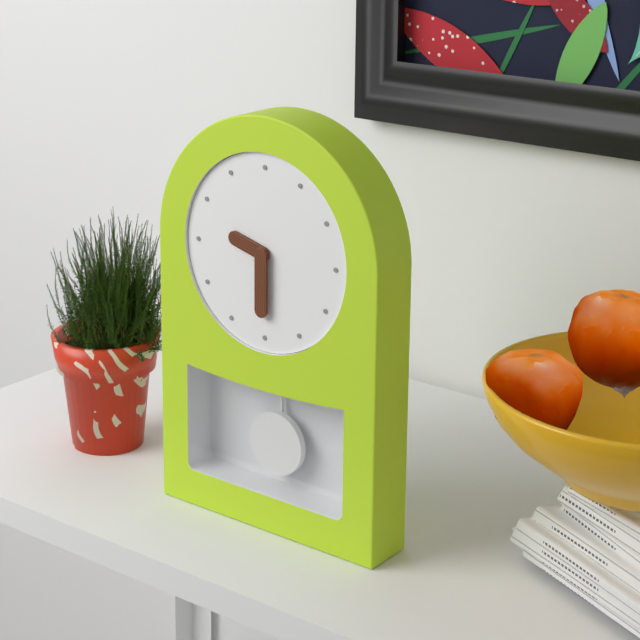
9,30
